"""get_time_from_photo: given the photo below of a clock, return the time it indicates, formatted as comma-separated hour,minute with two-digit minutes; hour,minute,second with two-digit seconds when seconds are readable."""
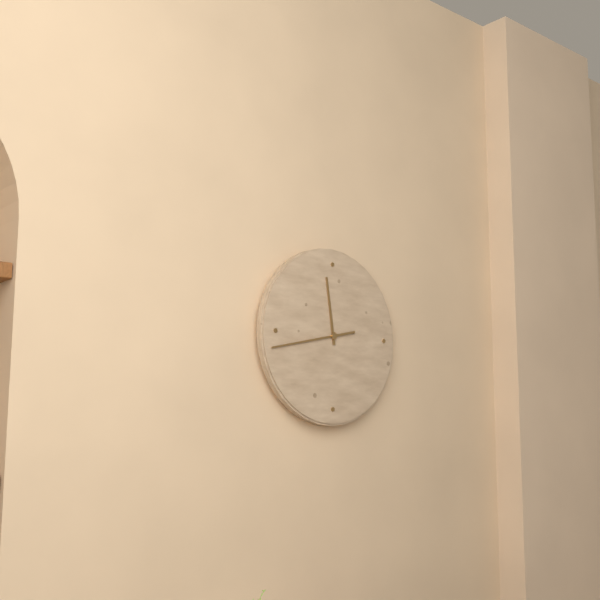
11,43
